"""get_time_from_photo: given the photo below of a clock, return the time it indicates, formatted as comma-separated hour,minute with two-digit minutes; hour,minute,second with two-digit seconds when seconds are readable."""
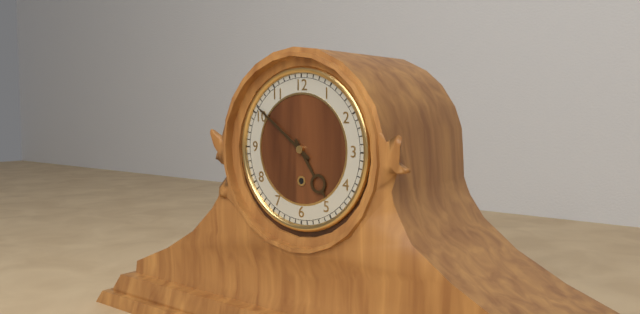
4,51
